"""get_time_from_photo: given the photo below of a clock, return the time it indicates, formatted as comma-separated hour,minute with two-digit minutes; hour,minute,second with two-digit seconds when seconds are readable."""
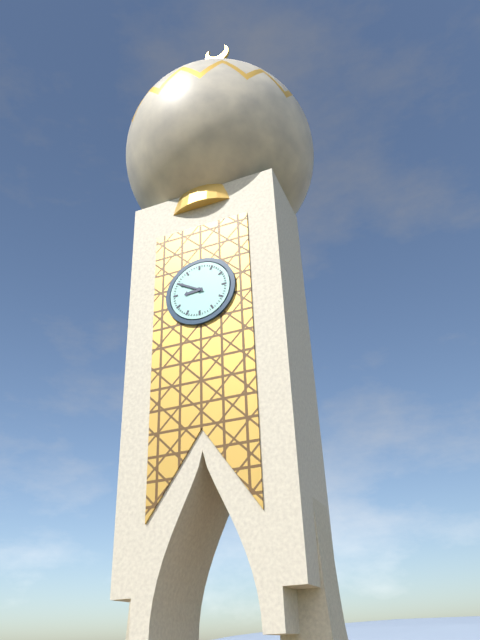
8,50
